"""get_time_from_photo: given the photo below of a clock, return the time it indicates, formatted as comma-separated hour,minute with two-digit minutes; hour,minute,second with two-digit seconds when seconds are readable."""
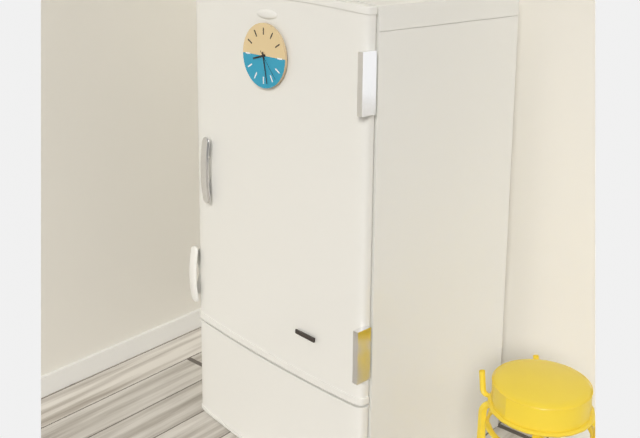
8,28
